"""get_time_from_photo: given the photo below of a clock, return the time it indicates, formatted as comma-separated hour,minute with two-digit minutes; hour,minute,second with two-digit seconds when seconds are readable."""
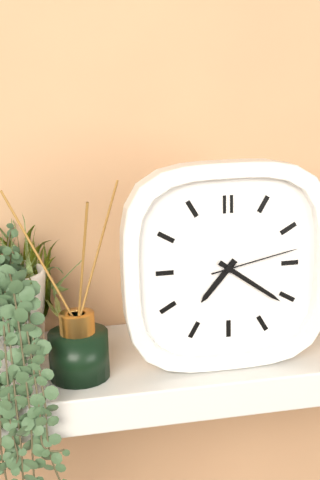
7,21,13
